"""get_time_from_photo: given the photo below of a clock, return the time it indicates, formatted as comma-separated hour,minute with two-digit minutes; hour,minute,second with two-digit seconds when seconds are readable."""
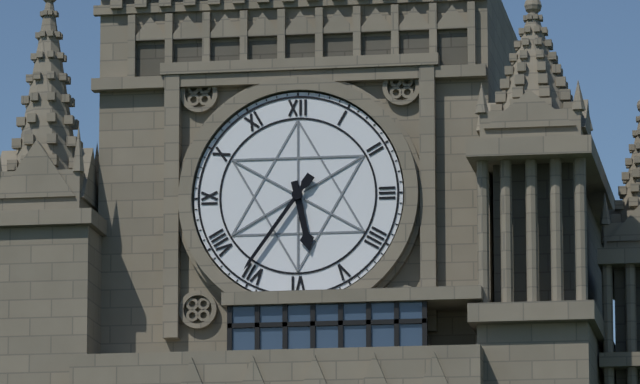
5,36
